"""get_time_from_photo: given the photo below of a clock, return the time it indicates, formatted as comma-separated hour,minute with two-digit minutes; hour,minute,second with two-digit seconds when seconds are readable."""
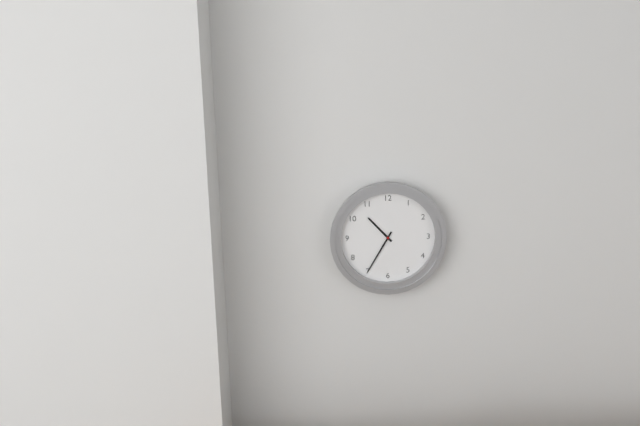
10,35
